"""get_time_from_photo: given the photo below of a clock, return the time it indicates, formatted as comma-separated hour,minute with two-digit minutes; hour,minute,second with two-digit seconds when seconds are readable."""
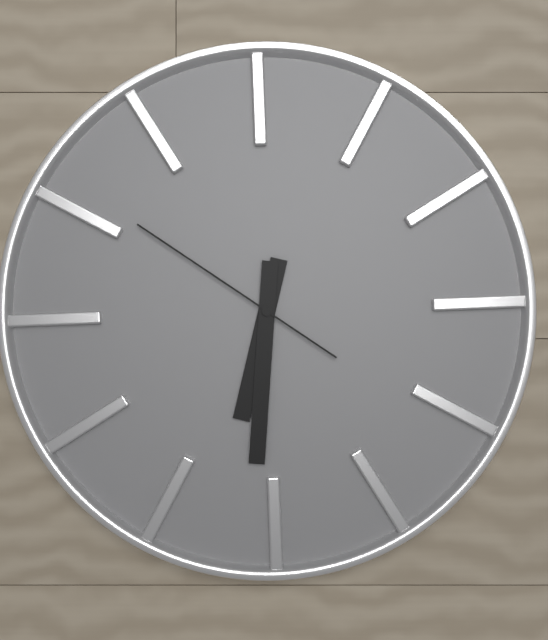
6,31,51
